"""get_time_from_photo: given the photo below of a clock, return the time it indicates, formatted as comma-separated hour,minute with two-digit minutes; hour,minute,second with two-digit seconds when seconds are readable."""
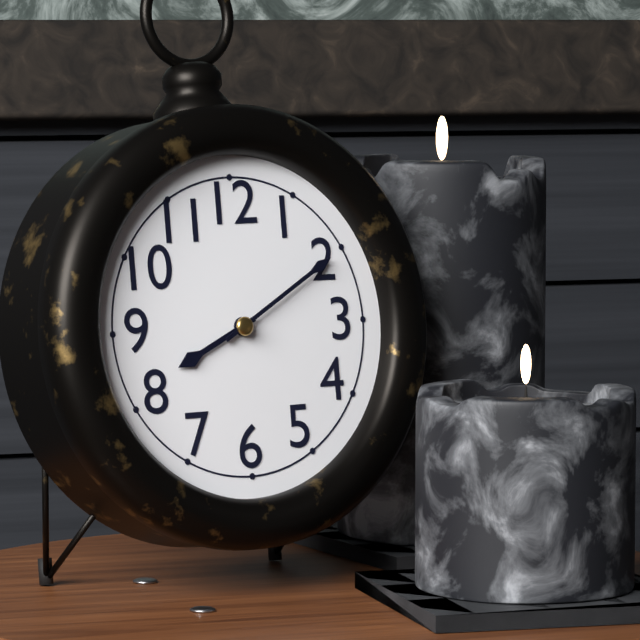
8,10
